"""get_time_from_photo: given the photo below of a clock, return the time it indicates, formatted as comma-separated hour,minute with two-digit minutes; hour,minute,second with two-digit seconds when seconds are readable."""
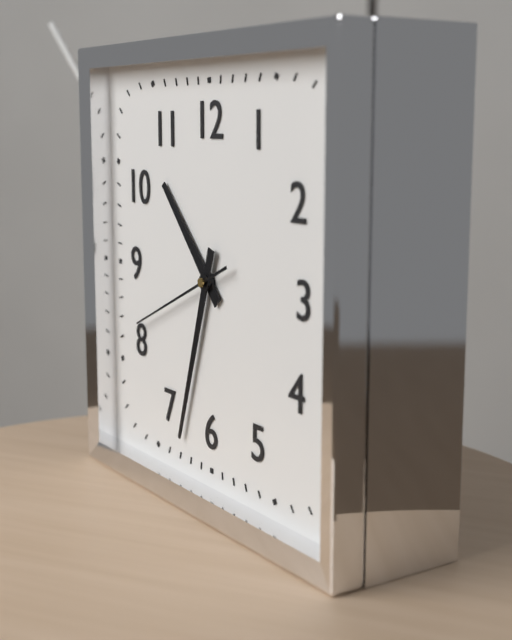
10,33,41
